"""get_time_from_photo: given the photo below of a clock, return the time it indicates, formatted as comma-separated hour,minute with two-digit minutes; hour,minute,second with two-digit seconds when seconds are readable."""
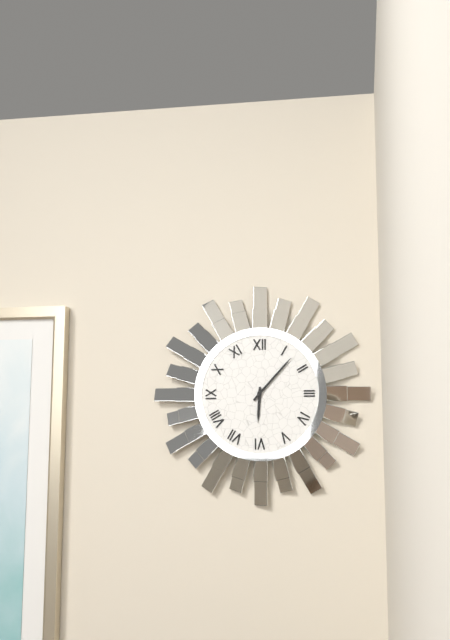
6,07
